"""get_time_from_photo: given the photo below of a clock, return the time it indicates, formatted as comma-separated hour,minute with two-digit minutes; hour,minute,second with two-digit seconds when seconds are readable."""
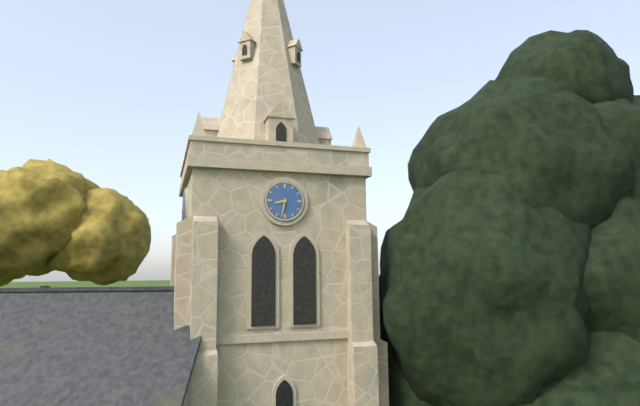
8,32
